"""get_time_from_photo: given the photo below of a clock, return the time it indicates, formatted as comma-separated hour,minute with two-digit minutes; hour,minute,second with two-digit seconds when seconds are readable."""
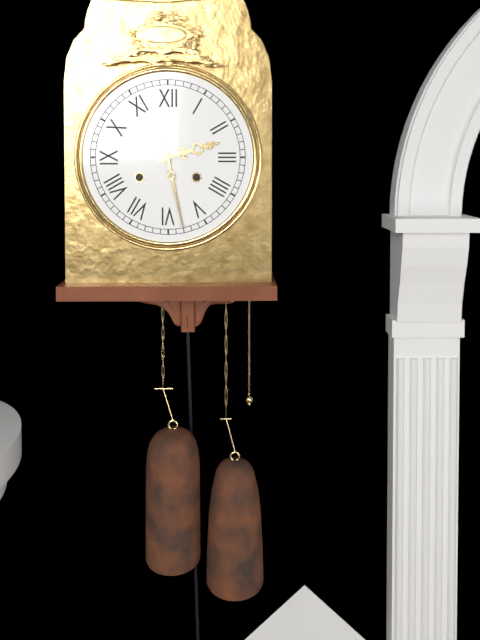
2,28
